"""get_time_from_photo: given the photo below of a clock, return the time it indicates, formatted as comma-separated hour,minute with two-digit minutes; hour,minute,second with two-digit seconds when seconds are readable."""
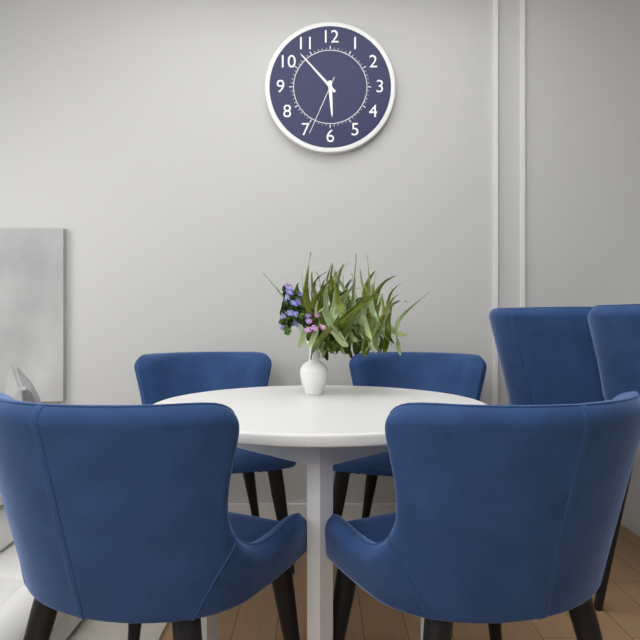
5,53,34
